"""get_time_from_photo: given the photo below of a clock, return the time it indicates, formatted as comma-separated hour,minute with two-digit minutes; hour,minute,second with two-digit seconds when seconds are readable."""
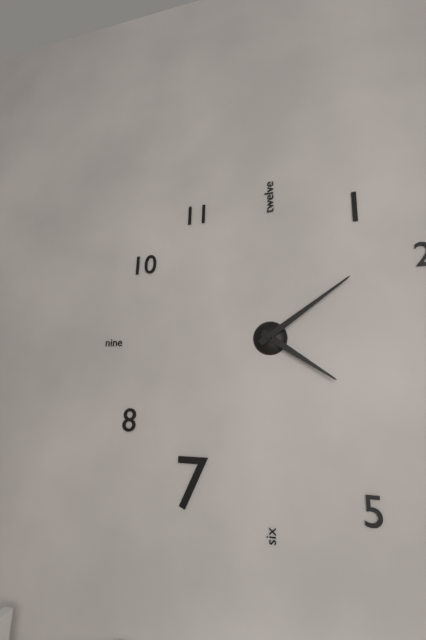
4,09
